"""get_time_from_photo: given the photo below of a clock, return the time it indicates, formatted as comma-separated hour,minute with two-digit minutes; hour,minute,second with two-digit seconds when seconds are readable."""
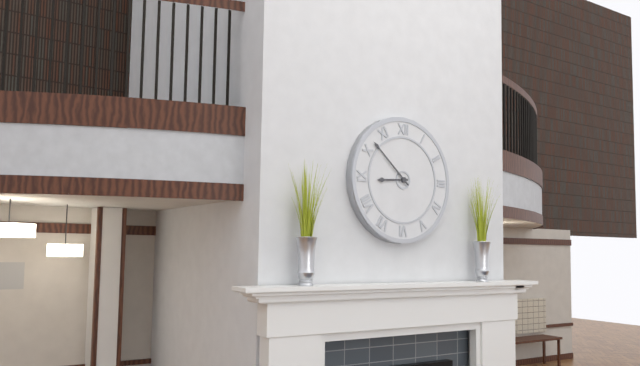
8,52
